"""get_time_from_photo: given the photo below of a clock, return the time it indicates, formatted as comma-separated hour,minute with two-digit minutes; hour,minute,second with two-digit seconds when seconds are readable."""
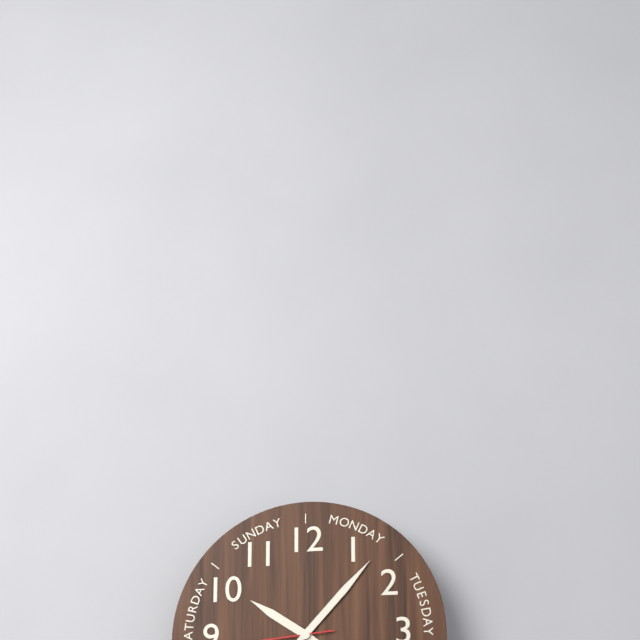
10,07
